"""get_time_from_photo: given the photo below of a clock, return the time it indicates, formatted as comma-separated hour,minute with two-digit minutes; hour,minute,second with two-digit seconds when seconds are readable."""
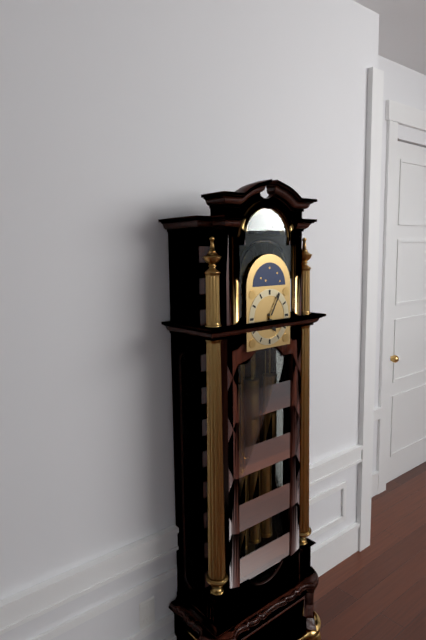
5,05
